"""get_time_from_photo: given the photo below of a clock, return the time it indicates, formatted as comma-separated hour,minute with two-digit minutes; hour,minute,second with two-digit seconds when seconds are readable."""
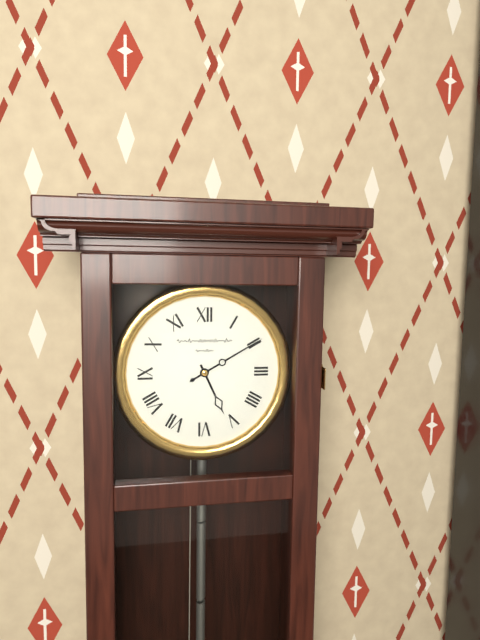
5,10
